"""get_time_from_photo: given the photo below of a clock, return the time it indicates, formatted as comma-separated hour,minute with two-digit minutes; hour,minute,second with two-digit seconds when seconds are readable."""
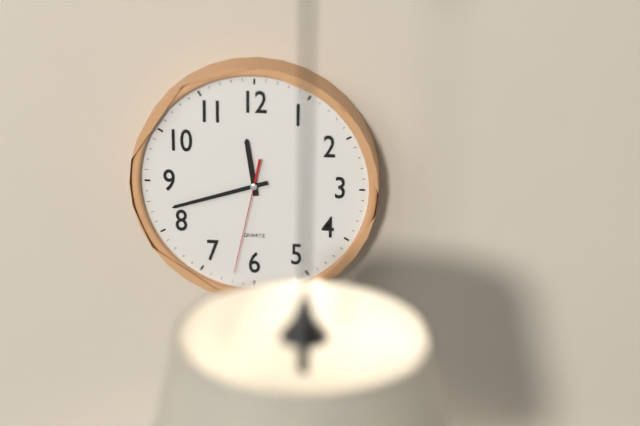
11,42,32
